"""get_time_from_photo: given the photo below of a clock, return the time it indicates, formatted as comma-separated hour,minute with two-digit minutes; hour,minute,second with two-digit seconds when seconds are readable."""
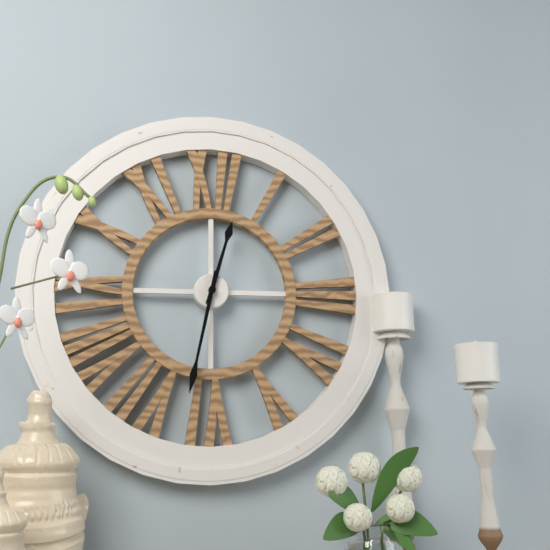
12,32
